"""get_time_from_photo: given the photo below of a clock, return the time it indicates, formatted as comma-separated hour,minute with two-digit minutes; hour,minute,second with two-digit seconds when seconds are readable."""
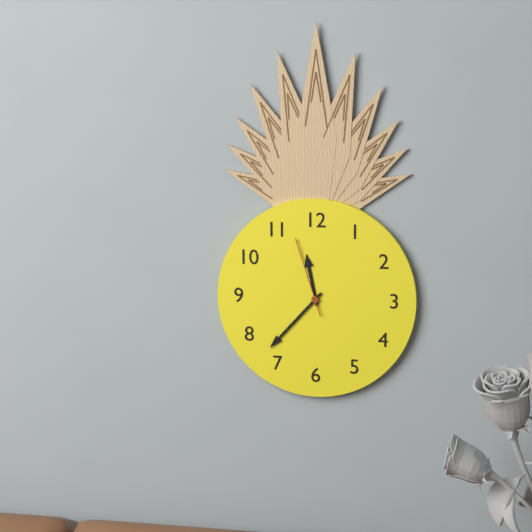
11,37,57
